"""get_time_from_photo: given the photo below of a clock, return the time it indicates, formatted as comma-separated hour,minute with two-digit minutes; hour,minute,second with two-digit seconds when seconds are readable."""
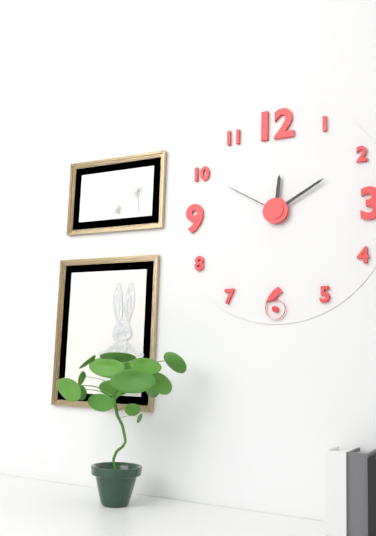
12,10,50
